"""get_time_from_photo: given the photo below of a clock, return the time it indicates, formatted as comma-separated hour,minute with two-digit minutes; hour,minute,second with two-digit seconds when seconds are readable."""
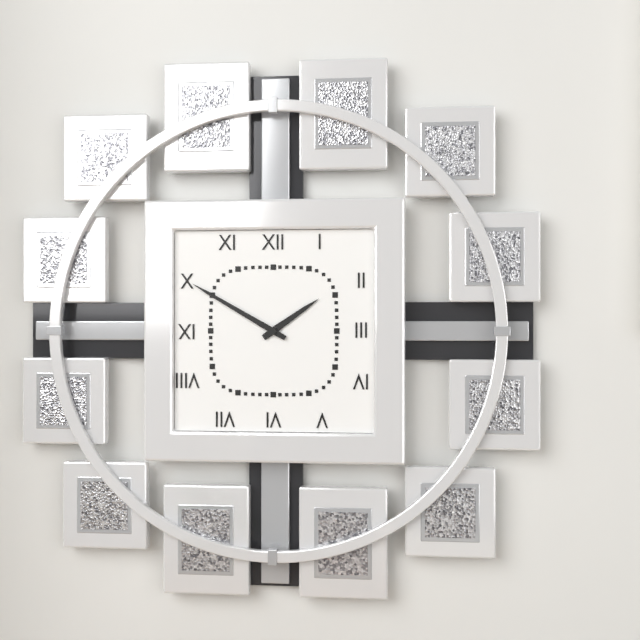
1,50
